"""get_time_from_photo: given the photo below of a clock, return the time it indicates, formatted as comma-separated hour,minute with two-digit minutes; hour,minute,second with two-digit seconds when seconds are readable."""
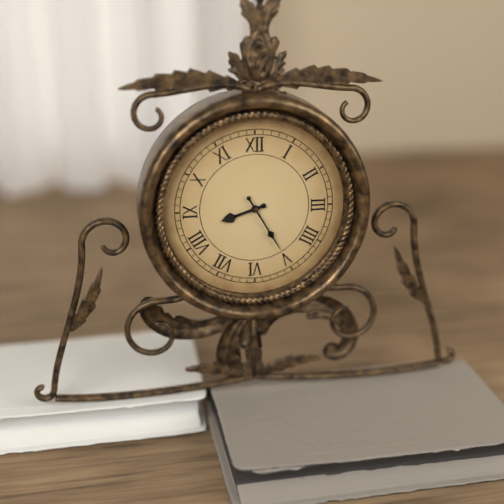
8,25
